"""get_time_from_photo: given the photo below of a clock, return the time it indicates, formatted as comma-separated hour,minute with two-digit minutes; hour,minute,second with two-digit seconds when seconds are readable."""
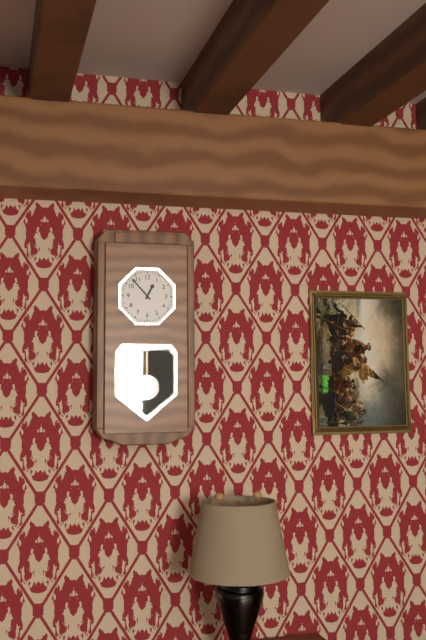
12,53
